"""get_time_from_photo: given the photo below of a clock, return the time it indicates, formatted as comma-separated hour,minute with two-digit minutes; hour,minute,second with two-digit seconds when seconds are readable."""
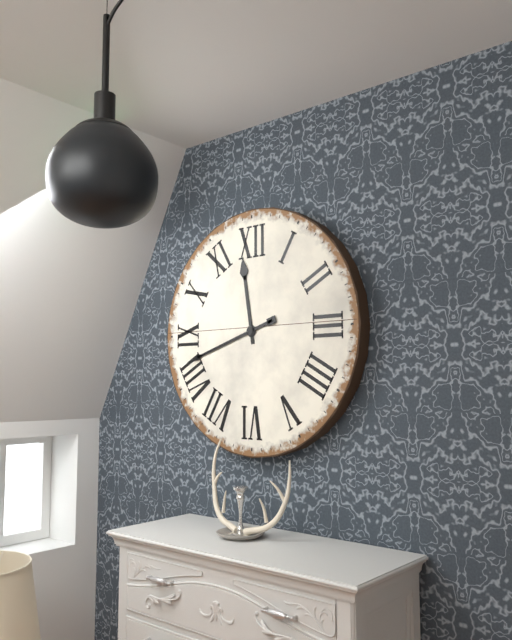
11,42
